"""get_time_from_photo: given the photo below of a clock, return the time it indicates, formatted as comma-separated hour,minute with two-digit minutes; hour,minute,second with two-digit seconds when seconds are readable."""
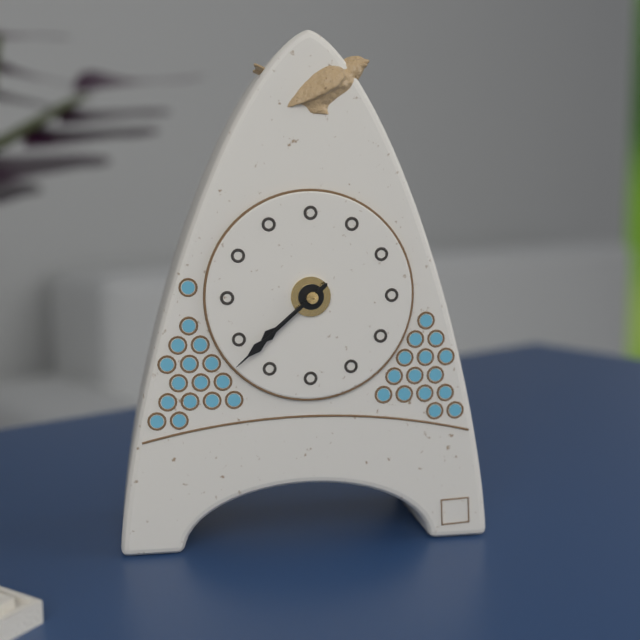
7,38
